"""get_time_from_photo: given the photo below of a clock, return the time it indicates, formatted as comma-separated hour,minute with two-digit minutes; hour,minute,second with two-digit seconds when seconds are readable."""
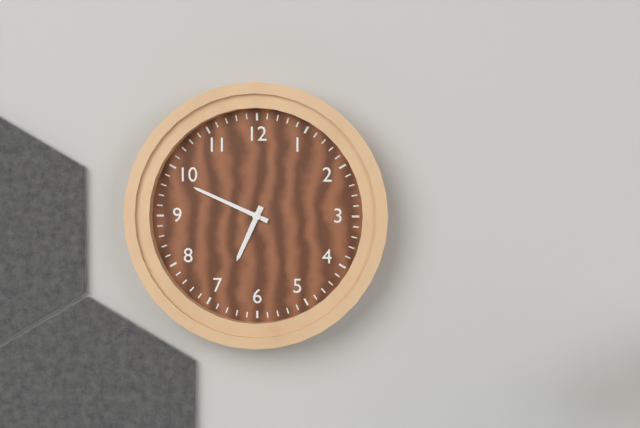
6,49
